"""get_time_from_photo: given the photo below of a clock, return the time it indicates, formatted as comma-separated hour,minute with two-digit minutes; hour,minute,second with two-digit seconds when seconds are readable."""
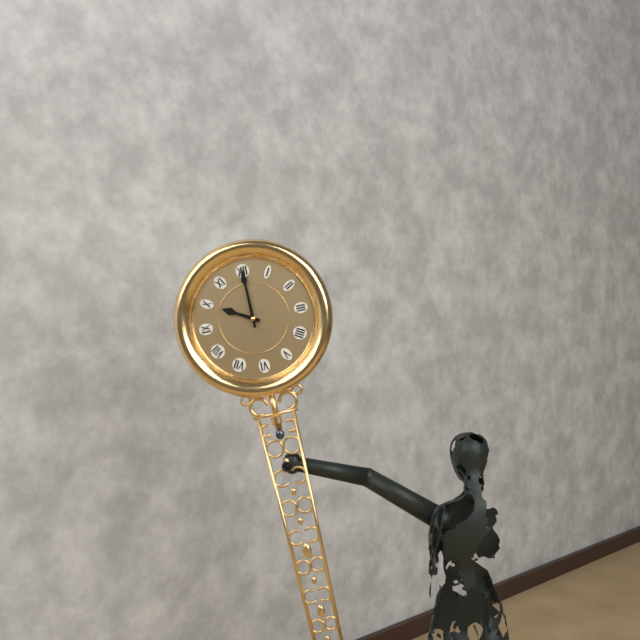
10,00
